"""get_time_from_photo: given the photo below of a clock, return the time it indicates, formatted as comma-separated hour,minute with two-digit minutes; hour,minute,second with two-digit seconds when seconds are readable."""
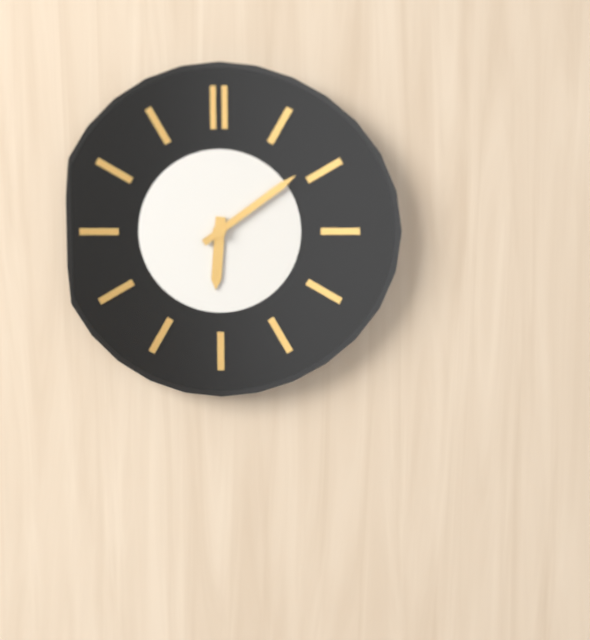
6,09
